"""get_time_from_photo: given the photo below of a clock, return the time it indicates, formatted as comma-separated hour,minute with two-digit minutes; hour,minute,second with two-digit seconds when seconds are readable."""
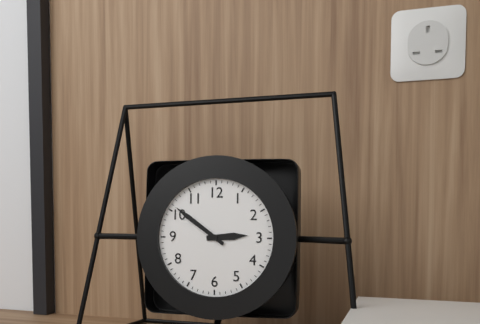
2,51
